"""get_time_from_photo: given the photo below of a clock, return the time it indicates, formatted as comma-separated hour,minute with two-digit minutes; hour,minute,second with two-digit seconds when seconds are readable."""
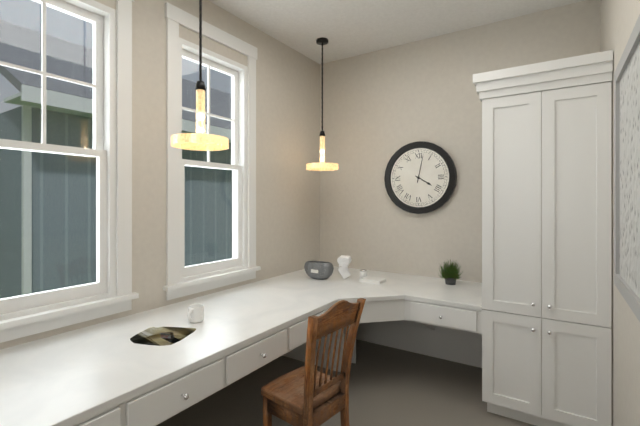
4,02
